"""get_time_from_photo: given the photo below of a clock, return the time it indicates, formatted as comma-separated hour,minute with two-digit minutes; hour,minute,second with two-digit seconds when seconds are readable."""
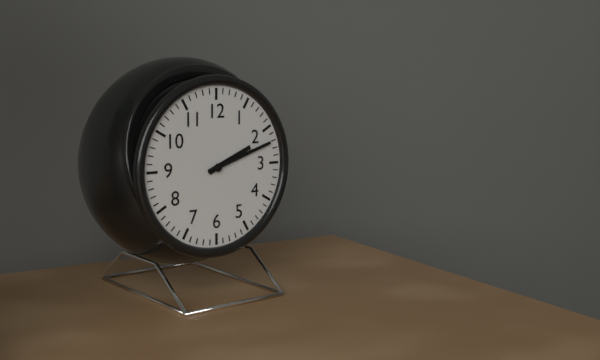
2,12
